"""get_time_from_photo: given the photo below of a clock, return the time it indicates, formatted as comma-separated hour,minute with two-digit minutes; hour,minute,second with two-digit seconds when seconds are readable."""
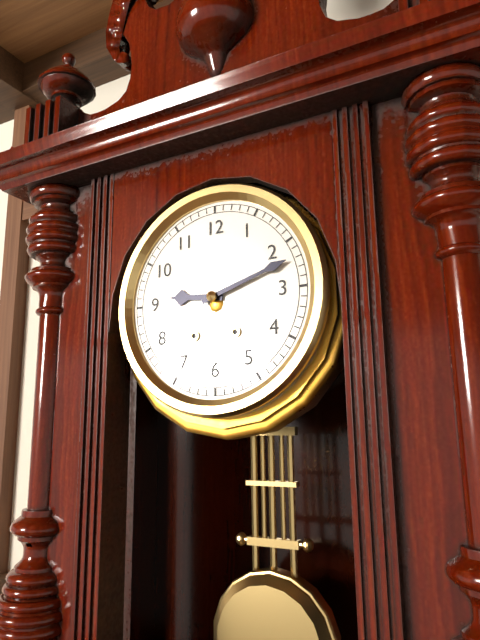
9,12
